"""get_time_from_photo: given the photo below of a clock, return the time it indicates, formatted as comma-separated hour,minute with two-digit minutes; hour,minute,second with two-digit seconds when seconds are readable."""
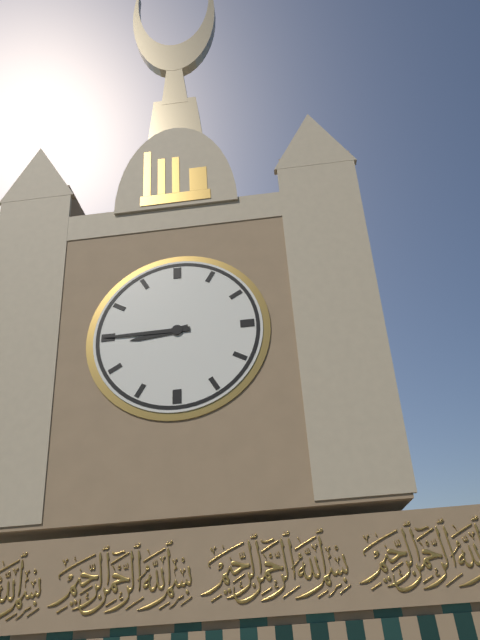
8,45
